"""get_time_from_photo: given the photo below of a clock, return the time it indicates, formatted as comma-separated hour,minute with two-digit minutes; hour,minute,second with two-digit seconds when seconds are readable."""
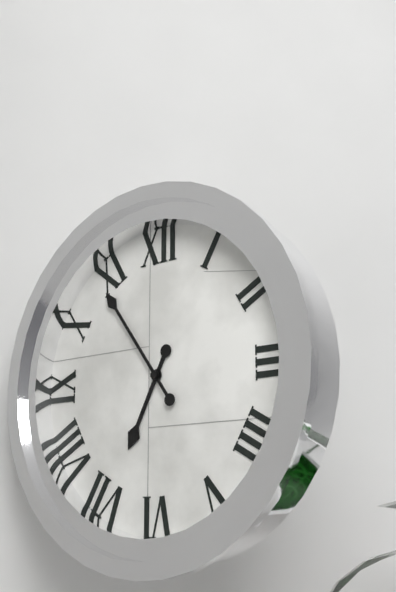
6,54
